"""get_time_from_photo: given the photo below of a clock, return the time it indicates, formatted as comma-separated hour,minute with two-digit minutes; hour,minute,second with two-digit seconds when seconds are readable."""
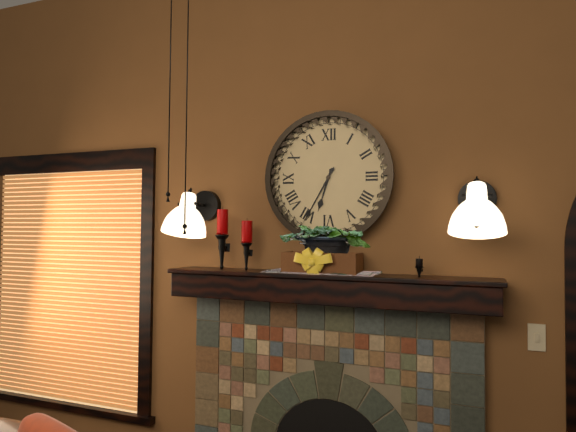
6,35
